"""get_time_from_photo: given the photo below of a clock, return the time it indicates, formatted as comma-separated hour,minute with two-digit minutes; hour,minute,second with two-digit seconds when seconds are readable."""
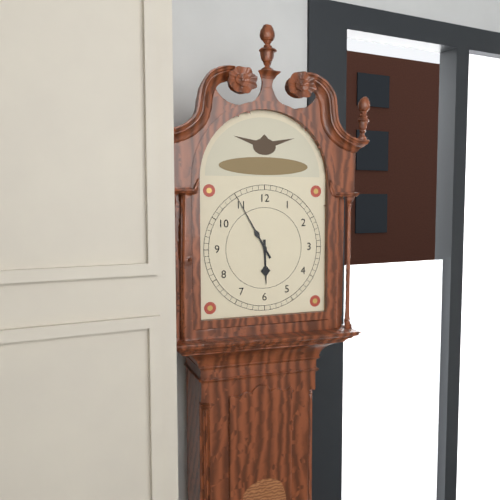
5,55
